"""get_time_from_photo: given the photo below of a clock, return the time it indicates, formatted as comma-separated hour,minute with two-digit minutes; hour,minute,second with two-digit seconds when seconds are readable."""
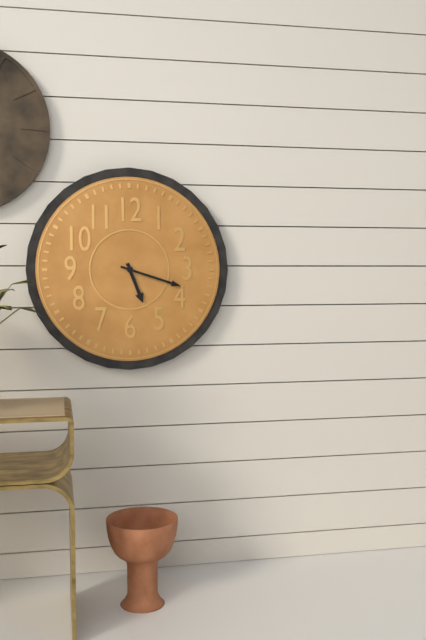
5,18
